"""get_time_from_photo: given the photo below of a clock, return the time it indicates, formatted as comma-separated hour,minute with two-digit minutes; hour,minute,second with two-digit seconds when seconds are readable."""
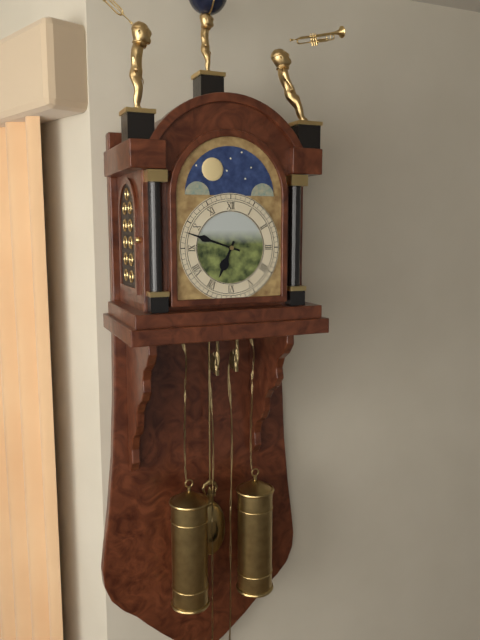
6,48
